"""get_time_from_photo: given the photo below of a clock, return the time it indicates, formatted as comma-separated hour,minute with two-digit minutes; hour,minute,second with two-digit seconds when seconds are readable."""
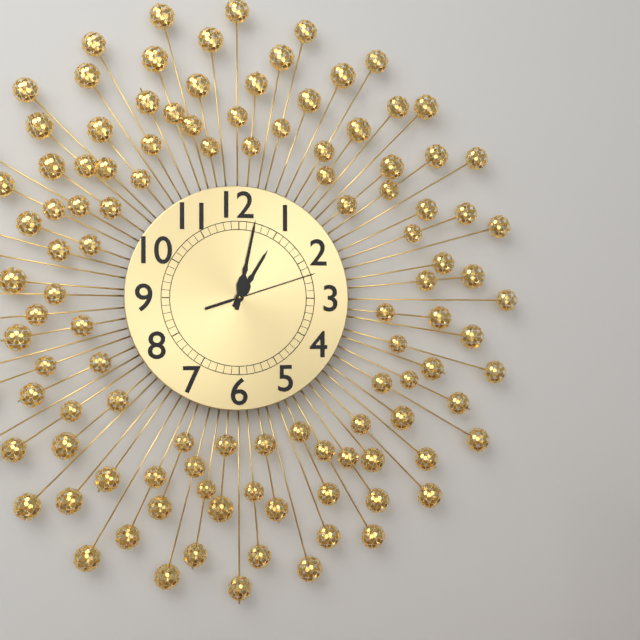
1,02,12
